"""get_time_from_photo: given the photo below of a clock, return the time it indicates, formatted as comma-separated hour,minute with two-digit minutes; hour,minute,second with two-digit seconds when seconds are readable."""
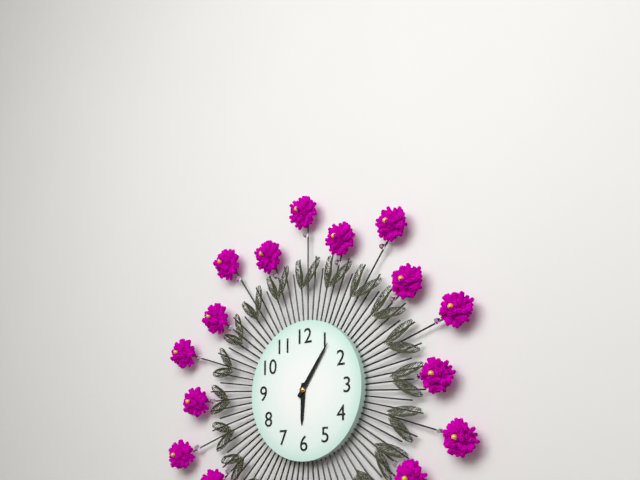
6,06
